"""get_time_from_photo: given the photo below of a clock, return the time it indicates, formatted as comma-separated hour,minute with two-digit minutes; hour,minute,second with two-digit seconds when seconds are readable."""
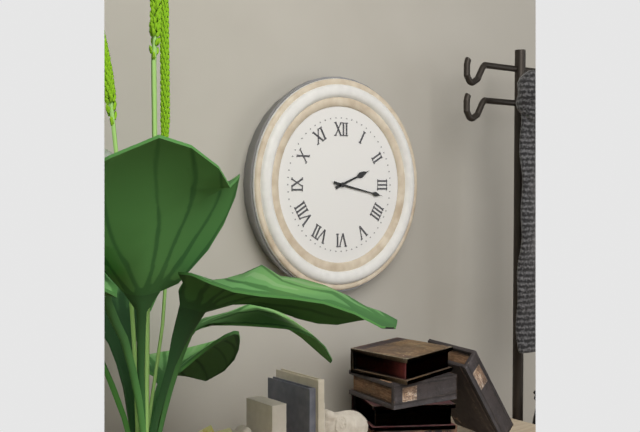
2,17
